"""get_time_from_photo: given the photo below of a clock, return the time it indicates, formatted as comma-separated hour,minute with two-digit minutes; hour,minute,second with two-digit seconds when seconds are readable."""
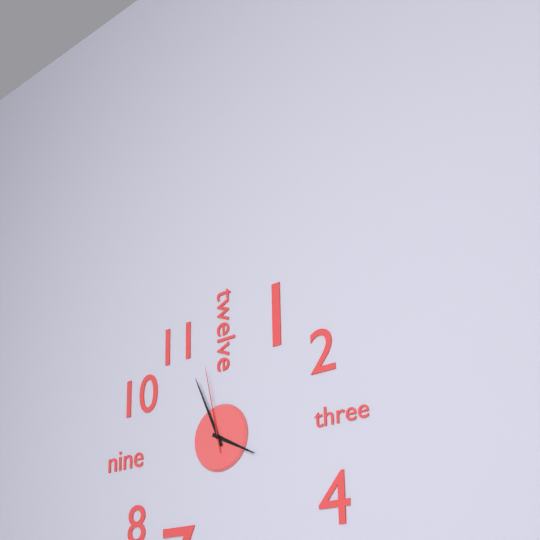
3,56,58
